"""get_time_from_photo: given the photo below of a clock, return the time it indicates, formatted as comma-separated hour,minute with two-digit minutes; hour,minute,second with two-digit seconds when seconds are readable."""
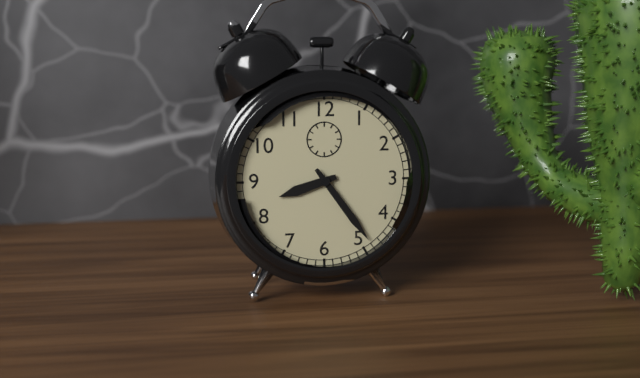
8,24
